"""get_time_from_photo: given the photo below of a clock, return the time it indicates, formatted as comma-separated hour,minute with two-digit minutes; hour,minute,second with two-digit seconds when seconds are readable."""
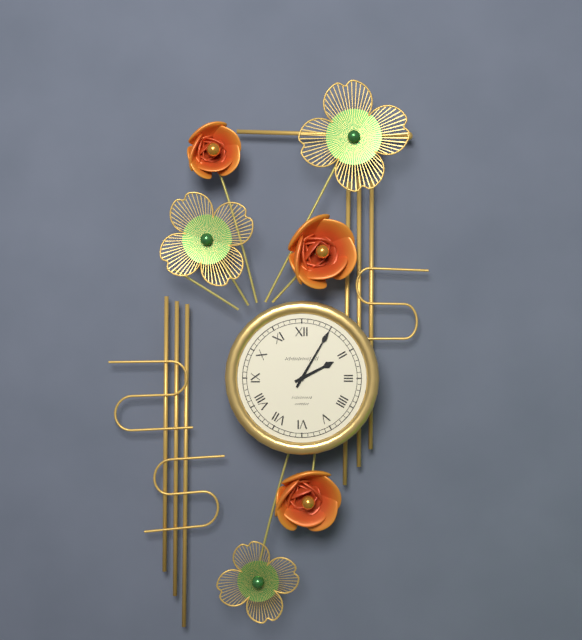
2,05
